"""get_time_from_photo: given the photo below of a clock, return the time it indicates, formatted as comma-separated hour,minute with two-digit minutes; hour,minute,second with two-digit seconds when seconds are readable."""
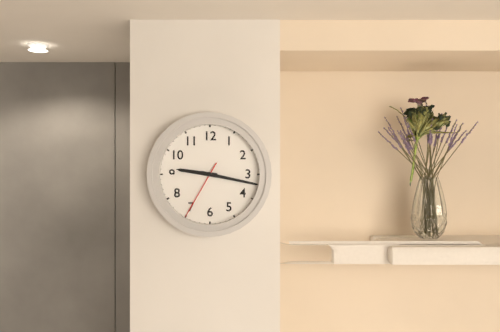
9,17,35
